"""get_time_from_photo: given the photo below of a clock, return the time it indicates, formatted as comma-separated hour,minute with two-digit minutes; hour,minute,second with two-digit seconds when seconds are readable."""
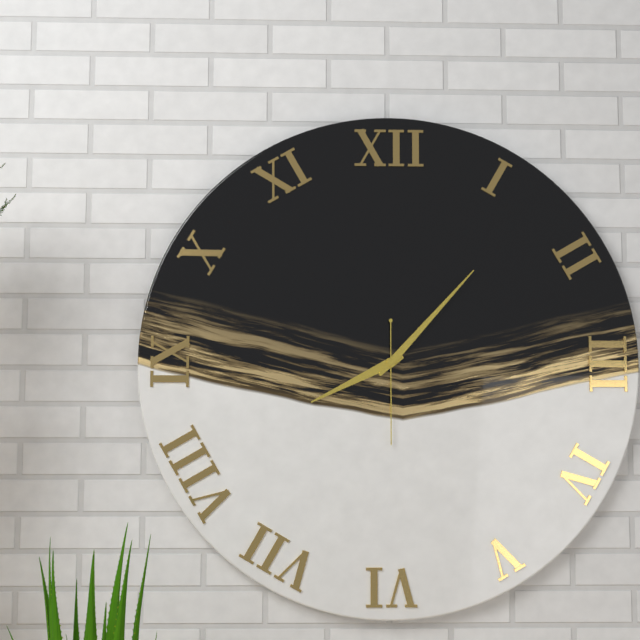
8,07,30
